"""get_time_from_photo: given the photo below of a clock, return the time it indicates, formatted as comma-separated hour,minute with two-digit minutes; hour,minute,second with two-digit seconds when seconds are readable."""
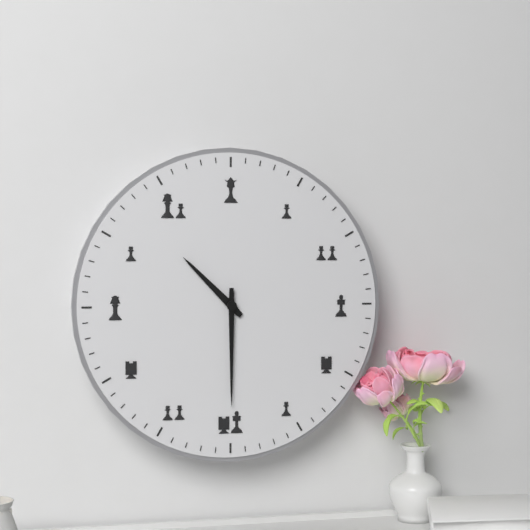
10,30
